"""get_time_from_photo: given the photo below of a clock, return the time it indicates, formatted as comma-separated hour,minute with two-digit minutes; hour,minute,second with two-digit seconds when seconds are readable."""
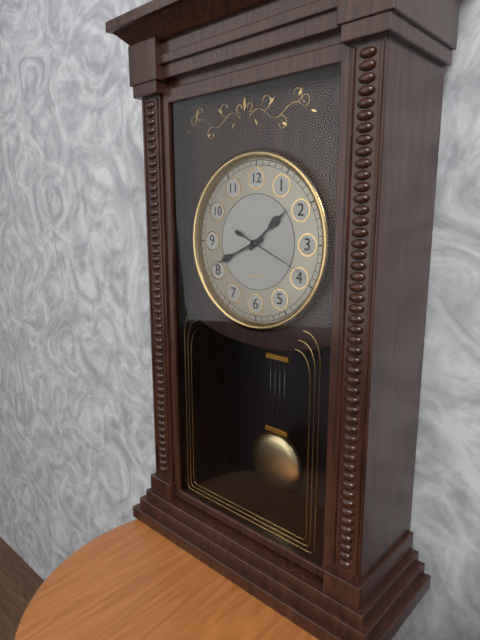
1,41,19
